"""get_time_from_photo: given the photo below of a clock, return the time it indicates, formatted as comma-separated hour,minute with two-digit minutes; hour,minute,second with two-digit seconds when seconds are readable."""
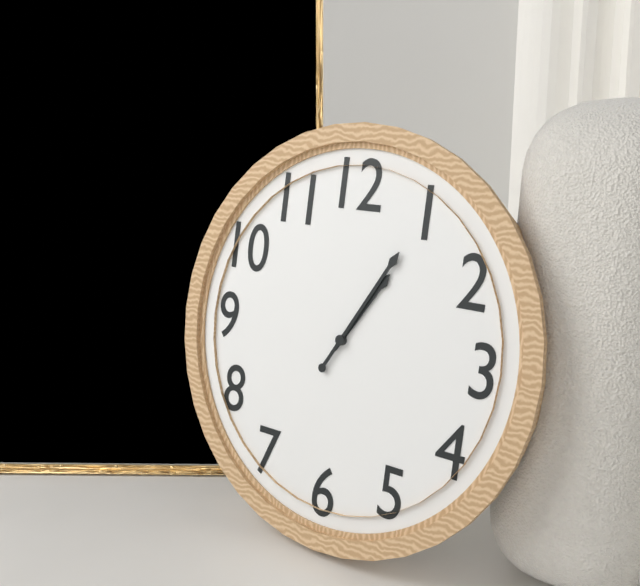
1,05
